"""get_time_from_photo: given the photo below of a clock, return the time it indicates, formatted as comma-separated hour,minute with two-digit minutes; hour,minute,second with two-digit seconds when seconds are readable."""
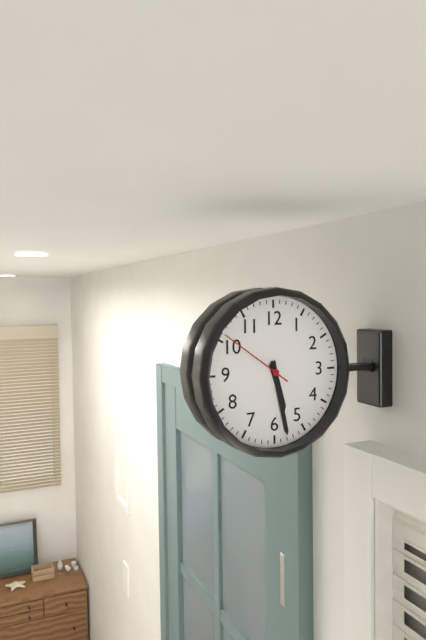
5,28,51
